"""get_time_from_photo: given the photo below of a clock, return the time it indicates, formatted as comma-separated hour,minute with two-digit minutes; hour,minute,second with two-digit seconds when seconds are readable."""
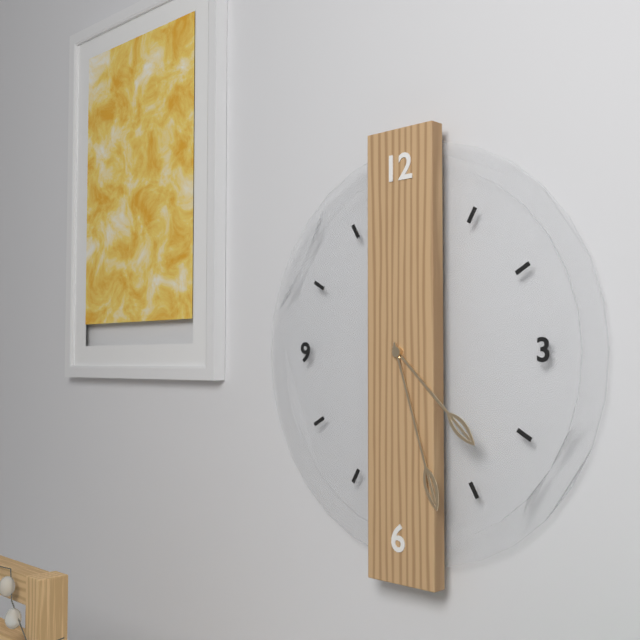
4,27
